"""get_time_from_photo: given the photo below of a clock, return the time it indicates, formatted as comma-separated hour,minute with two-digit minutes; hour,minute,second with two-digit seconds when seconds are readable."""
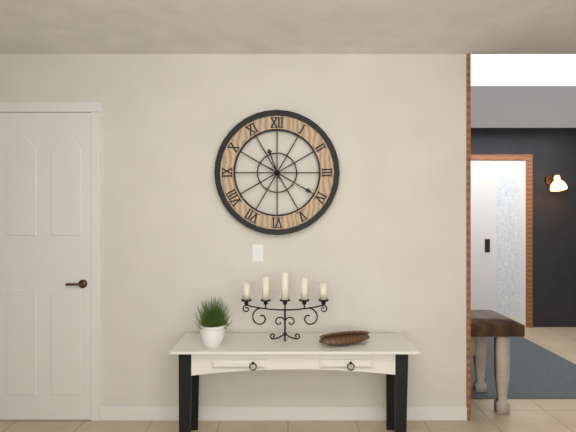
11,20
